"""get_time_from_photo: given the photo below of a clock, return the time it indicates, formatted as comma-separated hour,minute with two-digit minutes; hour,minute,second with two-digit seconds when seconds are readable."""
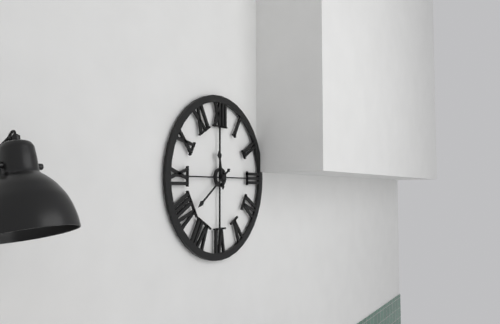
11,39
